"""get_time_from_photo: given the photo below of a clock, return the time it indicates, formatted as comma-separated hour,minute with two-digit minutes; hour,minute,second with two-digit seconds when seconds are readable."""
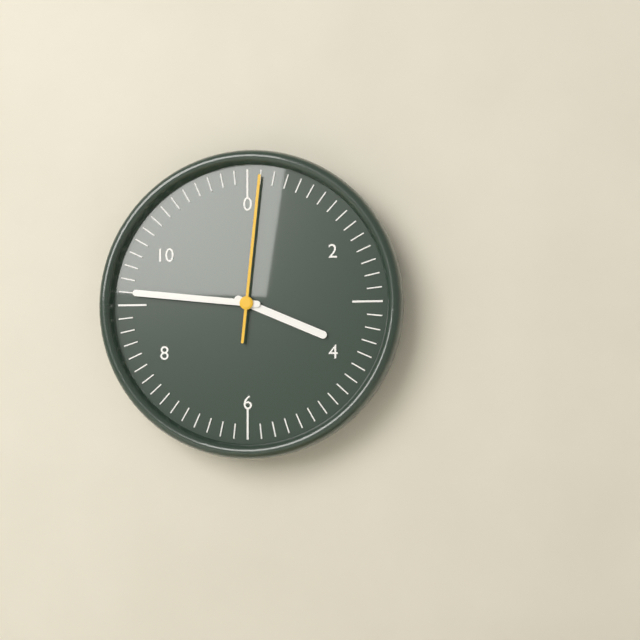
3,46,01
